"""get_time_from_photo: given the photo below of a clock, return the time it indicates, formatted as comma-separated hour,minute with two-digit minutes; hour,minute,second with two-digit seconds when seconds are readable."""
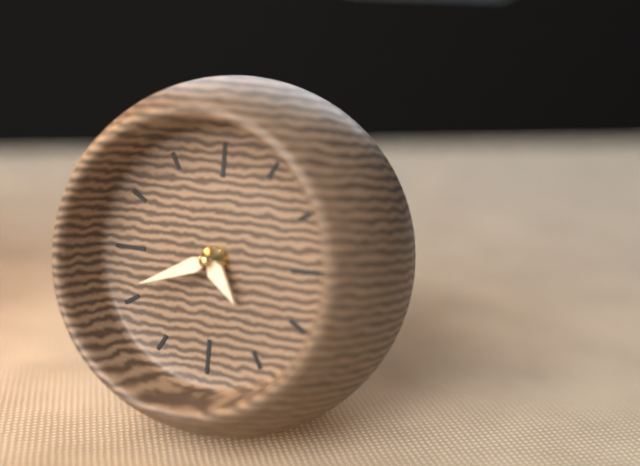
4,41
